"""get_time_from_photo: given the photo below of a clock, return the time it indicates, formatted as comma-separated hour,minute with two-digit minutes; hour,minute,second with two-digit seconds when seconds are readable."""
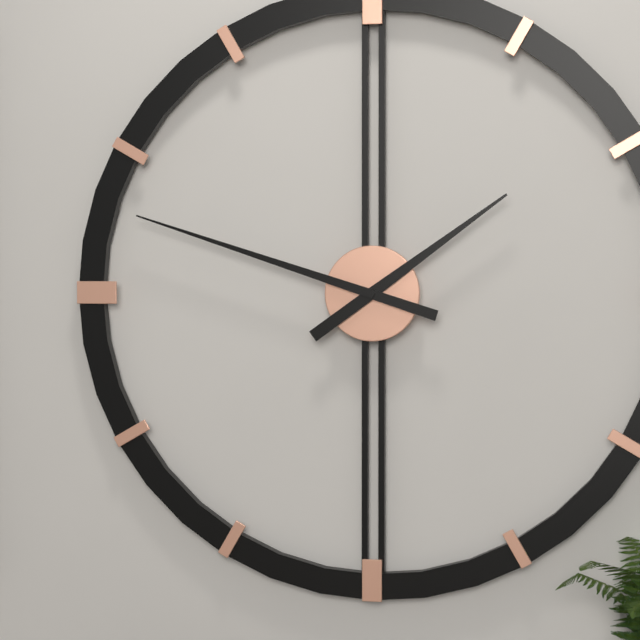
1,48
